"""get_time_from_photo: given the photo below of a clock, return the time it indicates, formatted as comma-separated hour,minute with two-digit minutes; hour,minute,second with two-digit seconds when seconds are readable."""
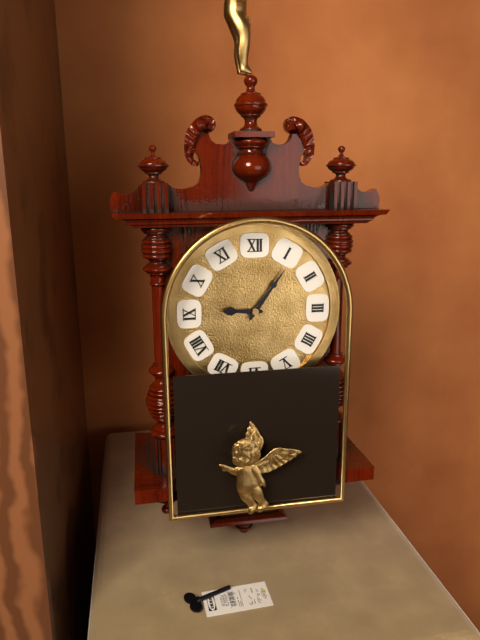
9,06
